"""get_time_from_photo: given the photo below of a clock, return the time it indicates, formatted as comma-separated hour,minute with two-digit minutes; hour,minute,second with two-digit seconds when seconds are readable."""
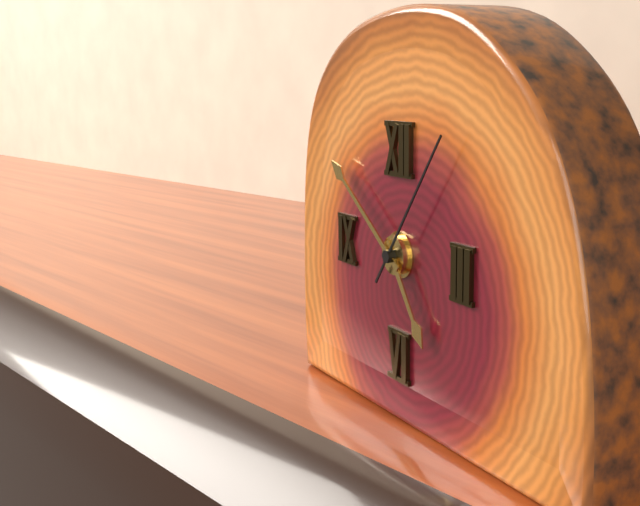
4,51,06
